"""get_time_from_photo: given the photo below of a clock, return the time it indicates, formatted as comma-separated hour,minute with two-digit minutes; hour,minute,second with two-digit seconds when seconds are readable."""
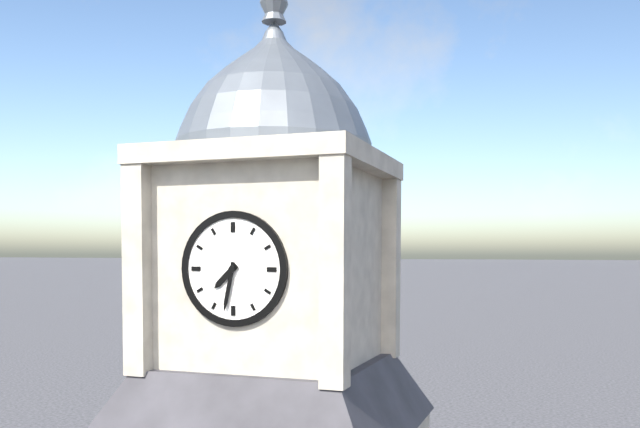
7,32
